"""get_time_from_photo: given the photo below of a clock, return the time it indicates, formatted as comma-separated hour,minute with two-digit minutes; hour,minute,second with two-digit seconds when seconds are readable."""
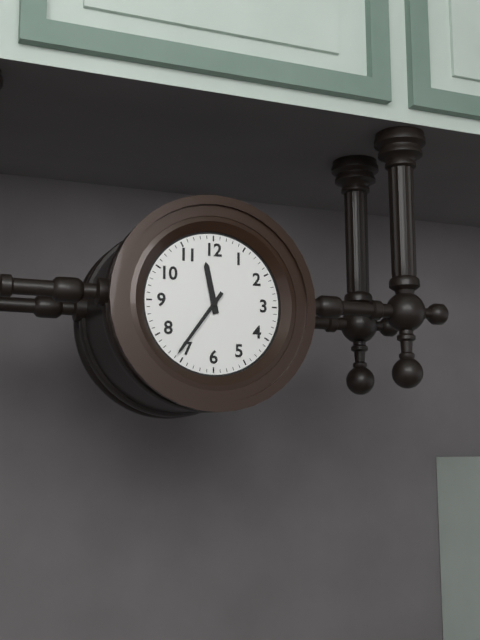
11,36
